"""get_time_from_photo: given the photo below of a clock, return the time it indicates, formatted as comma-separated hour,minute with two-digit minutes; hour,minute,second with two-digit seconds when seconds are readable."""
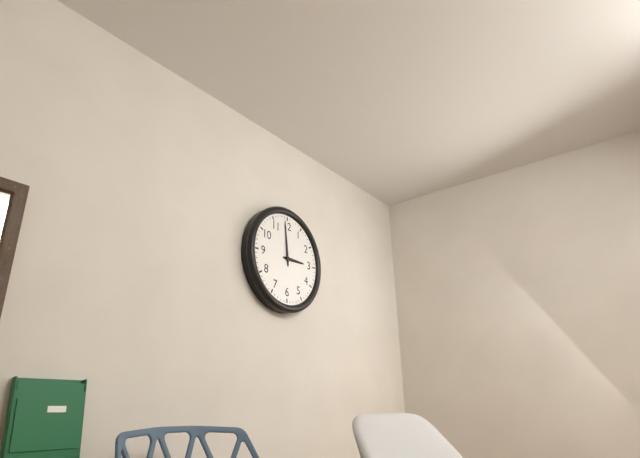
2,59
